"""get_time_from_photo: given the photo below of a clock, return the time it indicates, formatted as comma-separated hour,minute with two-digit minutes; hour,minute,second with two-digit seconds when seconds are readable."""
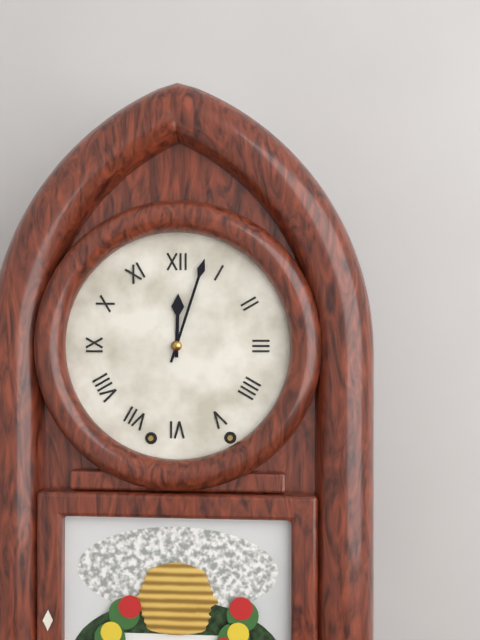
12,03
